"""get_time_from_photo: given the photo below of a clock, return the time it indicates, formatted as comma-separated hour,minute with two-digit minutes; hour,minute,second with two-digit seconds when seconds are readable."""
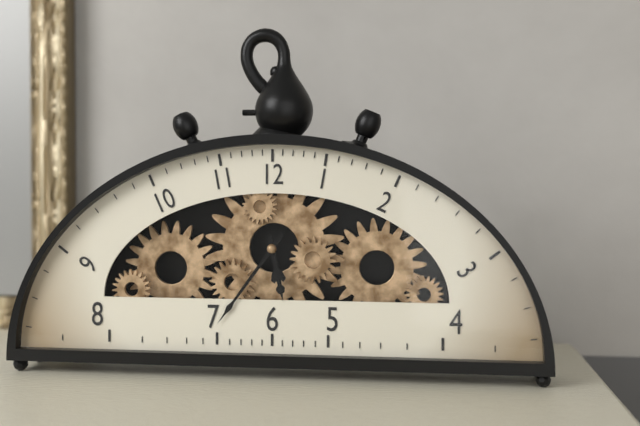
5,36
